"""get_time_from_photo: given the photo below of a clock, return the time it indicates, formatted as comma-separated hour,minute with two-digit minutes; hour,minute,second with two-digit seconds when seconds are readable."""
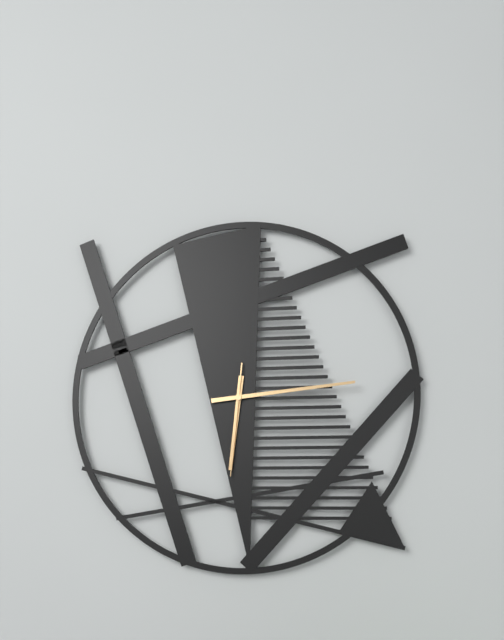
6,14,31
